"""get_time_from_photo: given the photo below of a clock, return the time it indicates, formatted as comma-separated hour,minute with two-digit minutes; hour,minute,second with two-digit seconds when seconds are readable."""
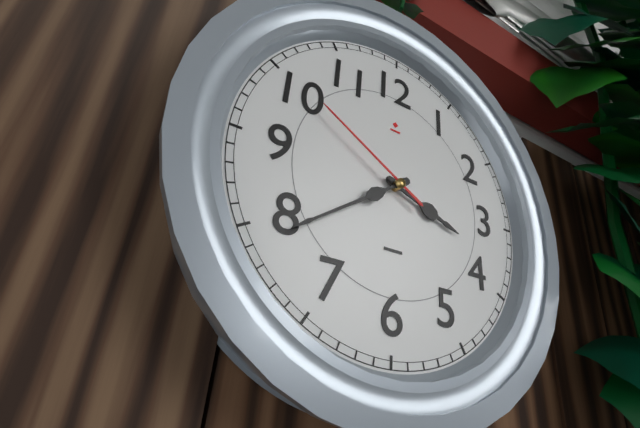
3,39,50
